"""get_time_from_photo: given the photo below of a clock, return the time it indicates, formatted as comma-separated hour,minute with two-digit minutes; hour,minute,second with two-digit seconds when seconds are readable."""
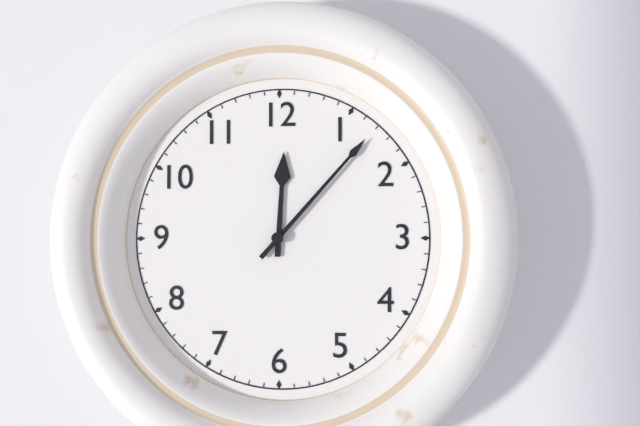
12,07
